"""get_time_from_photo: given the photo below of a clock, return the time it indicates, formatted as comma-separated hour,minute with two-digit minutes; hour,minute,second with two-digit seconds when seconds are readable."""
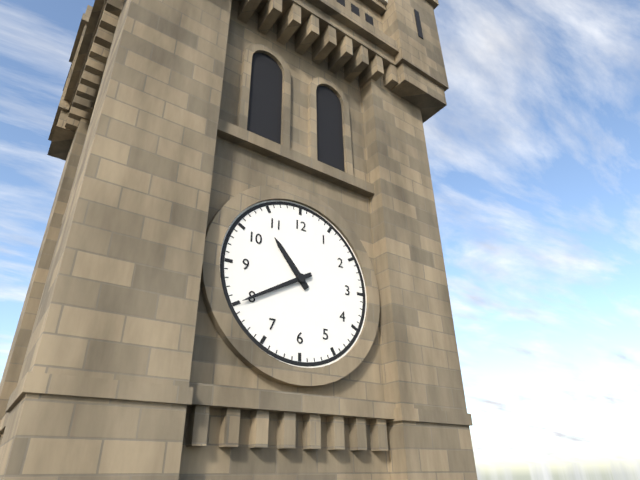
10,40
